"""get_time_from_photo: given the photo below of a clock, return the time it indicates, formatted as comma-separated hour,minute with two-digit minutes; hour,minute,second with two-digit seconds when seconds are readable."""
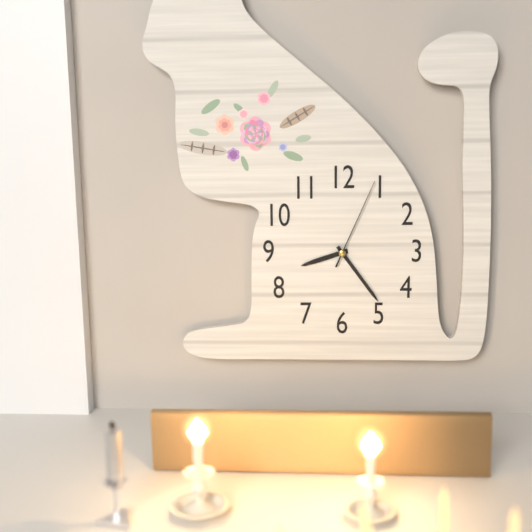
8,24,04
